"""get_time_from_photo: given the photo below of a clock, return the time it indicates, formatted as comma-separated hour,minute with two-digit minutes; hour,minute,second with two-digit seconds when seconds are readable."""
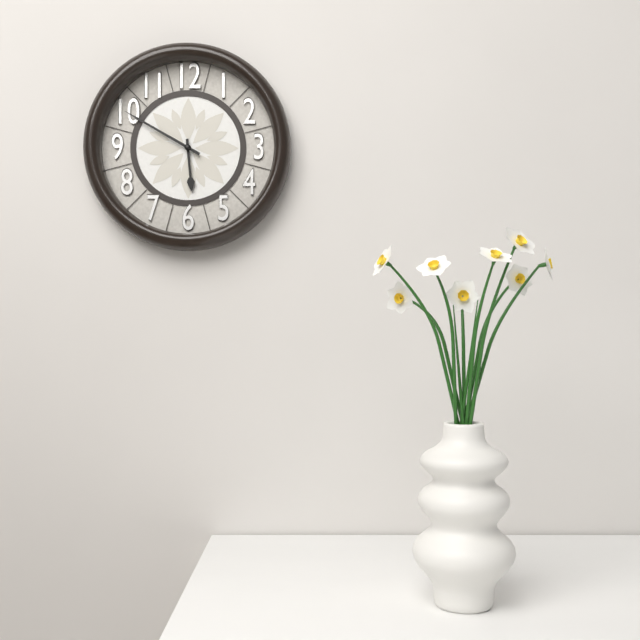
5,50
